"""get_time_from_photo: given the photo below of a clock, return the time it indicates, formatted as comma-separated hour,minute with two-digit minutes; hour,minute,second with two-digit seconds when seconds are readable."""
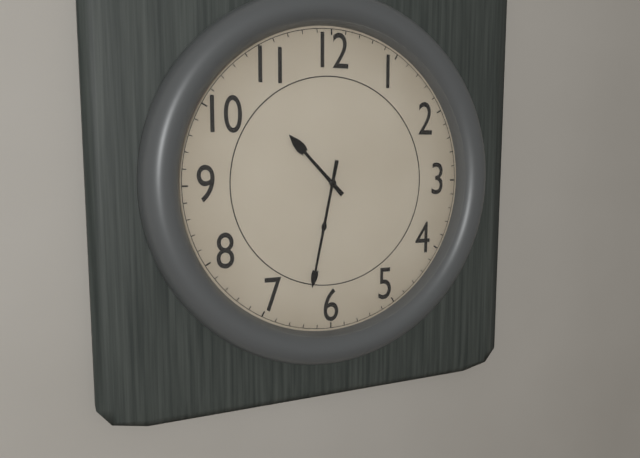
10,32
